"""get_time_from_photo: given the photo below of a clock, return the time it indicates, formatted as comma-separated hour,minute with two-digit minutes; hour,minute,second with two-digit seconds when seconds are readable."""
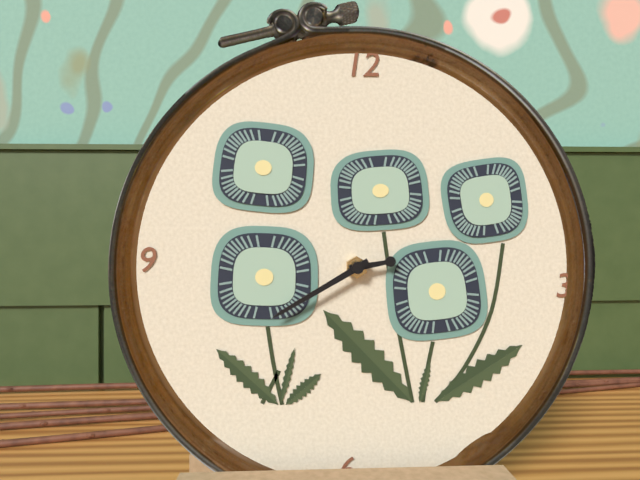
2,40
